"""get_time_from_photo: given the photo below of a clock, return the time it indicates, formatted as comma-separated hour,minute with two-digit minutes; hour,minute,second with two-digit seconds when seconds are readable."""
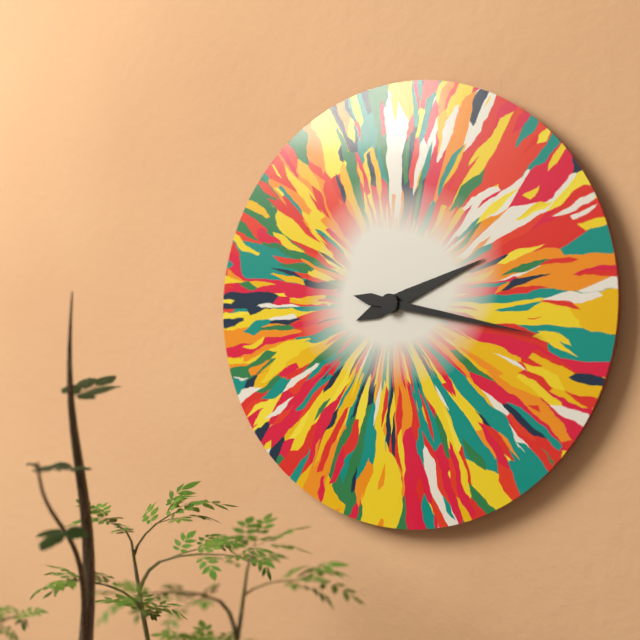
2,17
